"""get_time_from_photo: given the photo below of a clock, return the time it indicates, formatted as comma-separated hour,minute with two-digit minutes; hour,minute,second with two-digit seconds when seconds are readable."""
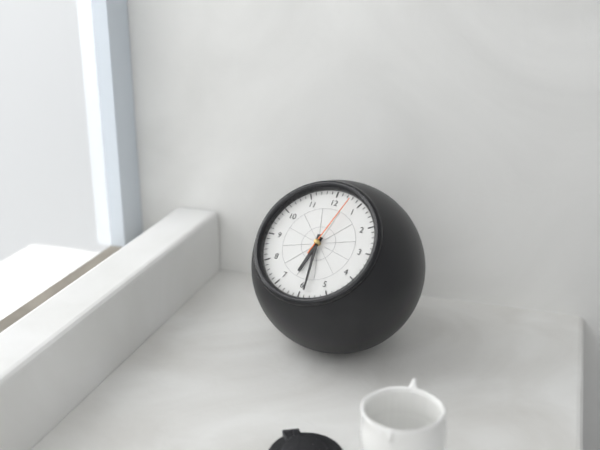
6,29,03
